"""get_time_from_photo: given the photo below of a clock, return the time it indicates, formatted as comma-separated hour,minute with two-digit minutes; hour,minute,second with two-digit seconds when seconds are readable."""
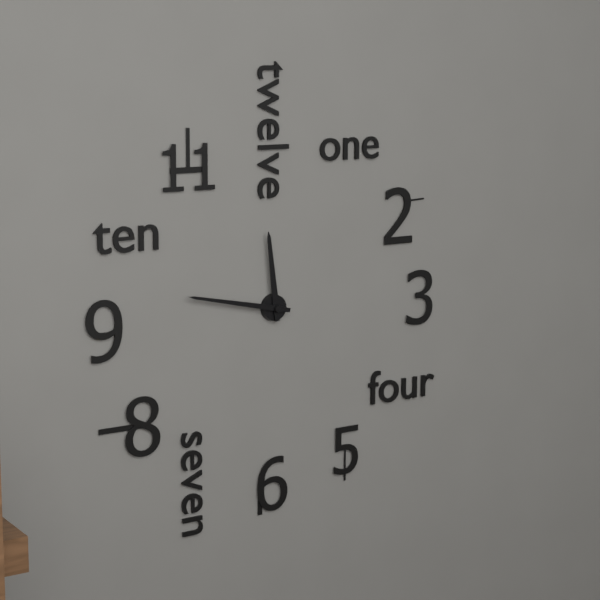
11,47
